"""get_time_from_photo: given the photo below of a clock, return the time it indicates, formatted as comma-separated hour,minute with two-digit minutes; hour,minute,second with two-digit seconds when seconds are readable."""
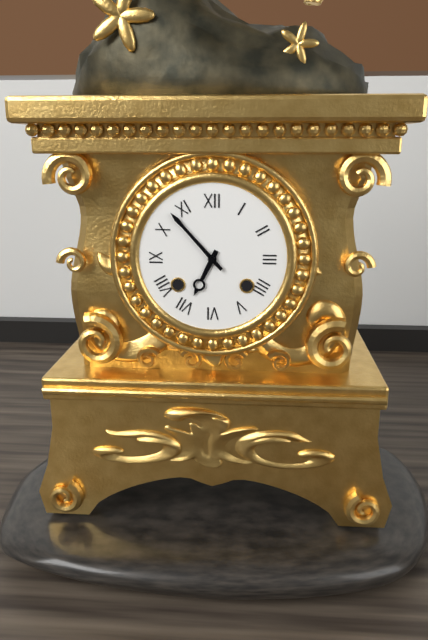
6,53
